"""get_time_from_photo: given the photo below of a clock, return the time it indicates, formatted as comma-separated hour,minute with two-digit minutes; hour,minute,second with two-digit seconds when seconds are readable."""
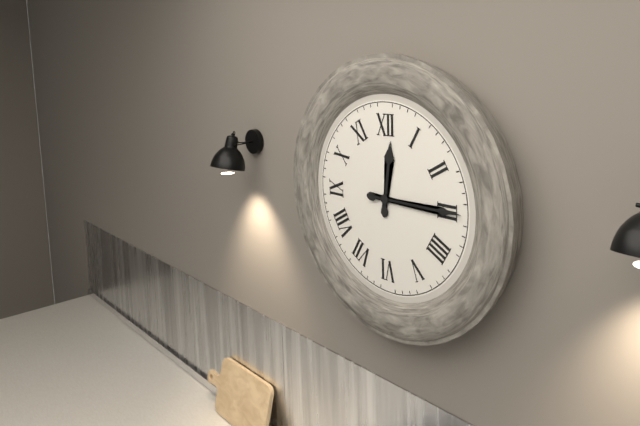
12,15
